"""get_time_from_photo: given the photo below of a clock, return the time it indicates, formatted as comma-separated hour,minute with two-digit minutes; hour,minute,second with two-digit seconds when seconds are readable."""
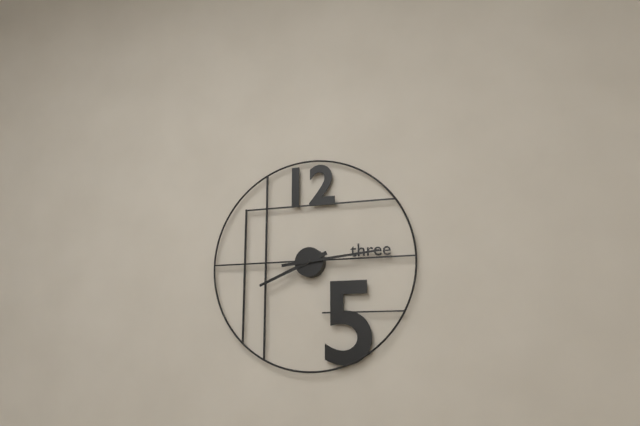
8,14
